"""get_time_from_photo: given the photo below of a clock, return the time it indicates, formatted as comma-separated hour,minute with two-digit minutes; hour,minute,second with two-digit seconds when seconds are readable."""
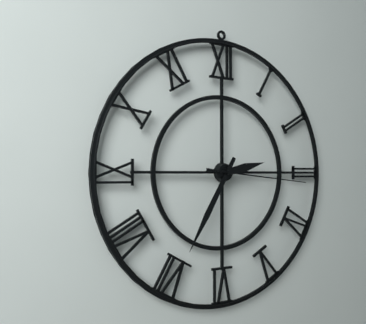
2,35,16
